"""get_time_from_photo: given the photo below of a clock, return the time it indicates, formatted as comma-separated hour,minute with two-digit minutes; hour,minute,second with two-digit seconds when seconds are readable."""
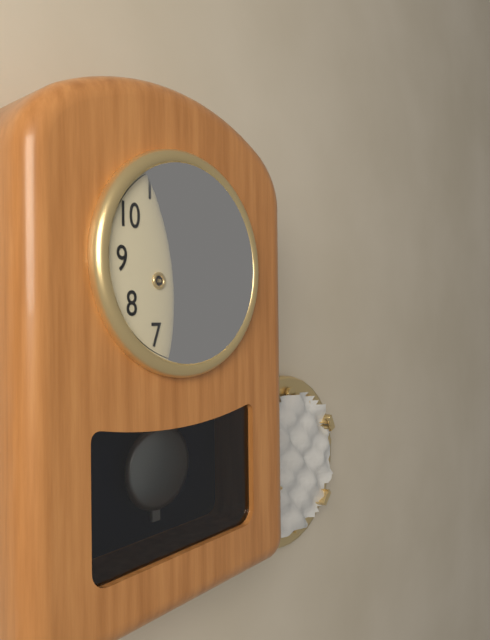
2,29
